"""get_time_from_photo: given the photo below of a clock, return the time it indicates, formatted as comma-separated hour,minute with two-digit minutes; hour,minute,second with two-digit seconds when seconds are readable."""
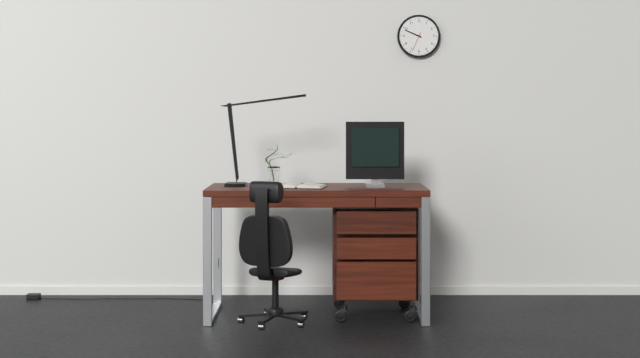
9,49
